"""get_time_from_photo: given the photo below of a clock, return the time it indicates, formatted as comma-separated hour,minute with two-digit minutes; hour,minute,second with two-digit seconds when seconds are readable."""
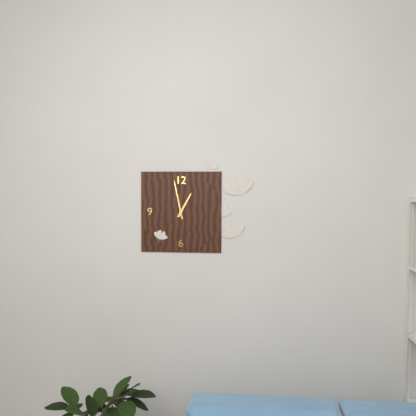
12,58
